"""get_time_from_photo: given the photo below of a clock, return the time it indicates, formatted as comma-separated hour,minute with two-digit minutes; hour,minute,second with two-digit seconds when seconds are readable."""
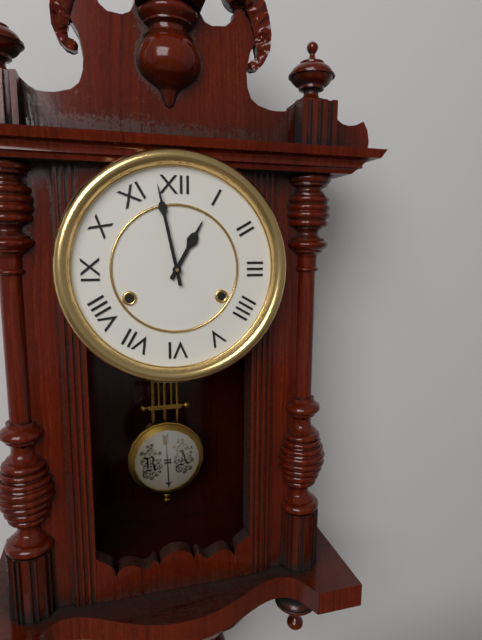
12,58
